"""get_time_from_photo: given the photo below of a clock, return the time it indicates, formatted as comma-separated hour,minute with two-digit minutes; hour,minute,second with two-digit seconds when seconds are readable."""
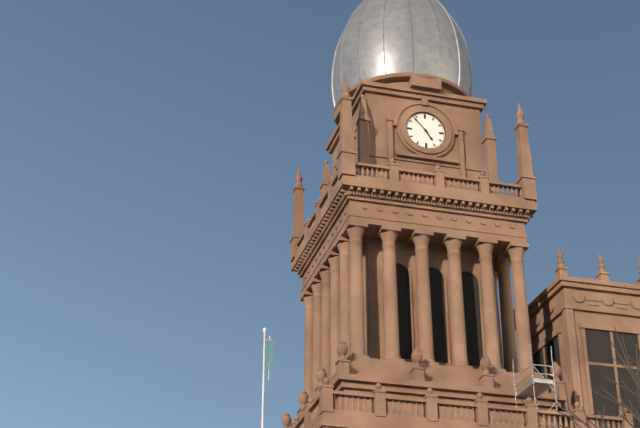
4,53
